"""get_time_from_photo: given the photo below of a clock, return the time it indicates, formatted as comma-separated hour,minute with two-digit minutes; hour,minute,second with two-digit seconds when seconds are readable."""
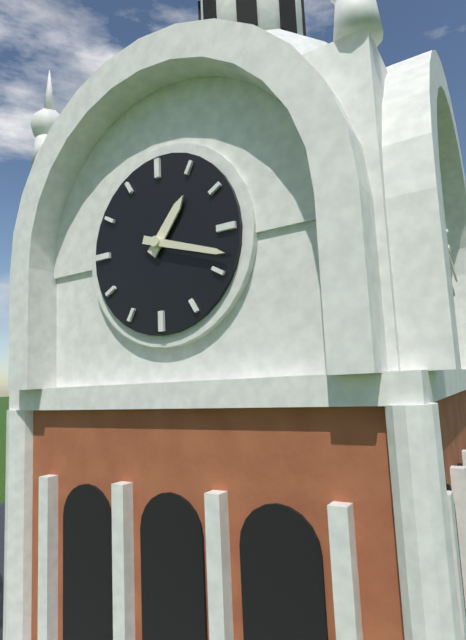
1,18
